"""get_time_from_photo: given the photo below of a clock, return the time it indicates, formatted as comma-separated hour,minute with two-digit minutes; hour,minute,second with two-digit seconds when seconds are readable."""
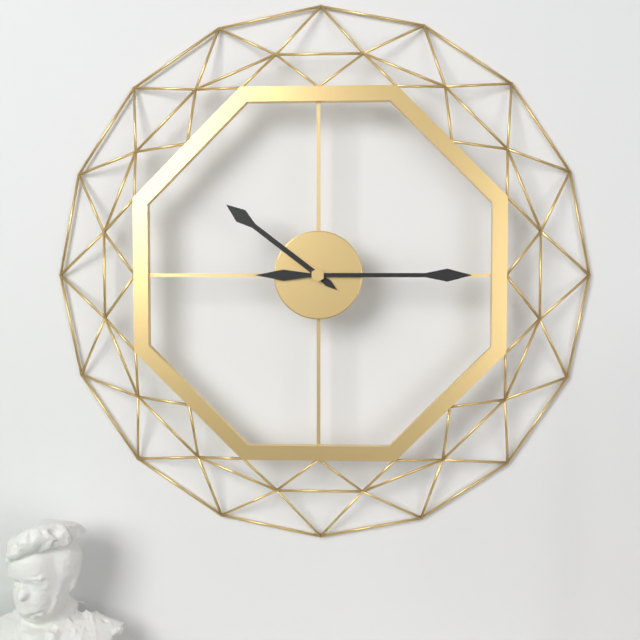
10,15
